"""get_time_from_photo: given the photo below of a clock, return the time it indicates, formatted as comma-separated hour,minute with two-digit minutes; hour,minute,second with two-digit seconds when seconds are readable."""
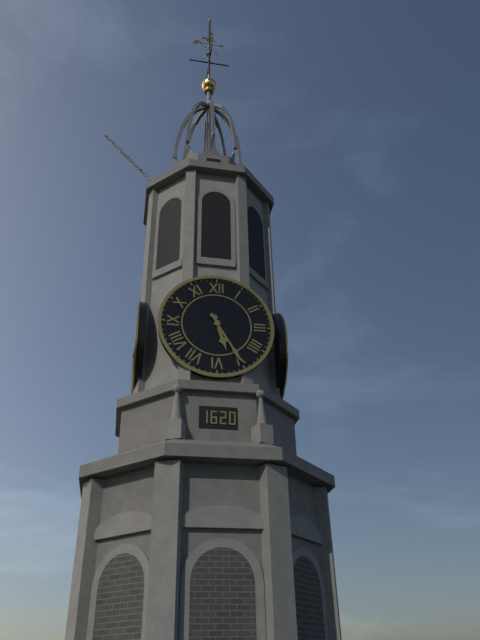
5,25
